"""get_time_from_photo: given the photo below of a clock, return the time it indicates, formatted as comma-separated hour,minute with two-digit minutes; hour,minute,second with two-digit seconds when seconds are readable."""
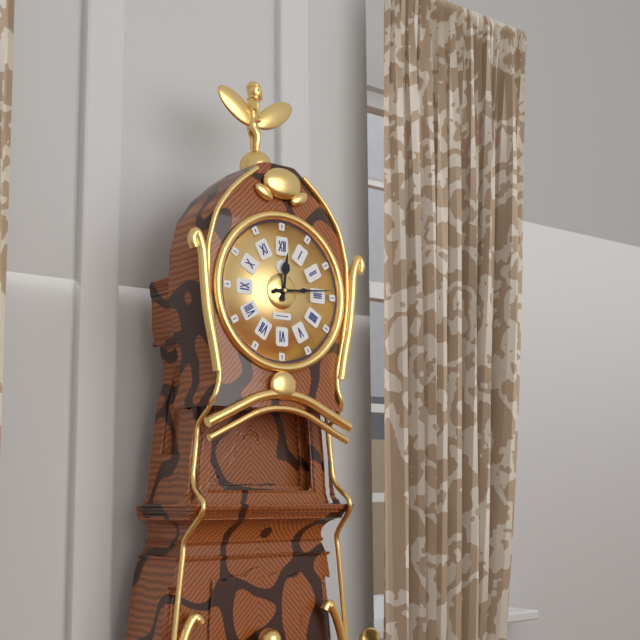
12,14
